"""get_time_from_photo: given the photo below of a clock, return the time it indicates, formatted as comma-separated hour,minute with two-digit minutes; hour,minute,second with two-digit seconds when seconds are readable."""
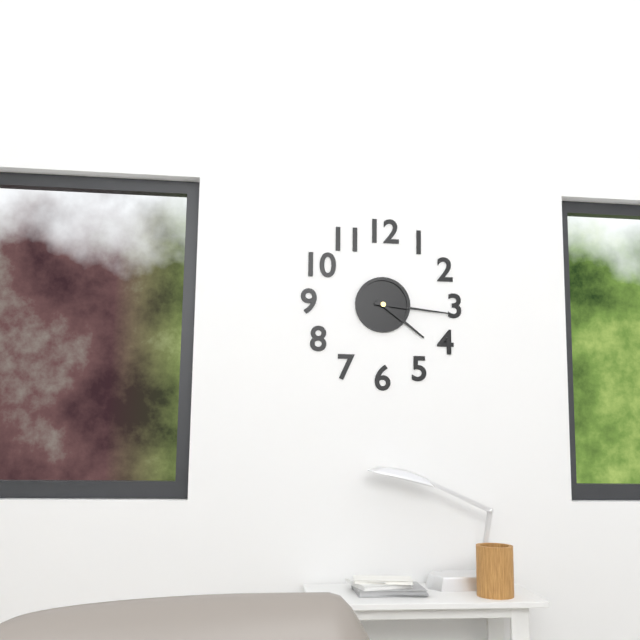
4,16
